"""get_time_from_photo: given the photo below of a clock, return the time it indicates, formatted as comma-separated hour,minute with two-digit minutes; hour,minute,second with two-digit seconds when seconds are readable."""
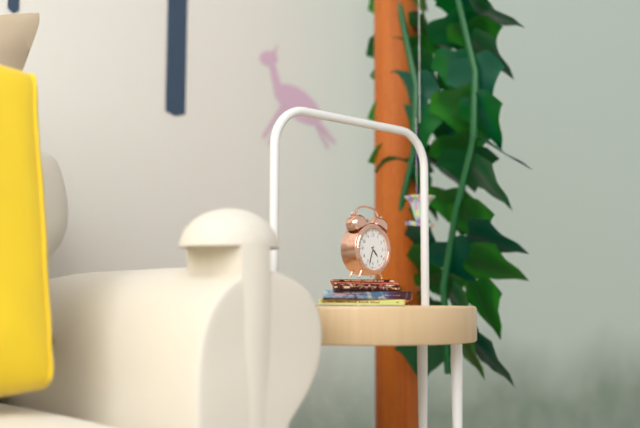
4,33
